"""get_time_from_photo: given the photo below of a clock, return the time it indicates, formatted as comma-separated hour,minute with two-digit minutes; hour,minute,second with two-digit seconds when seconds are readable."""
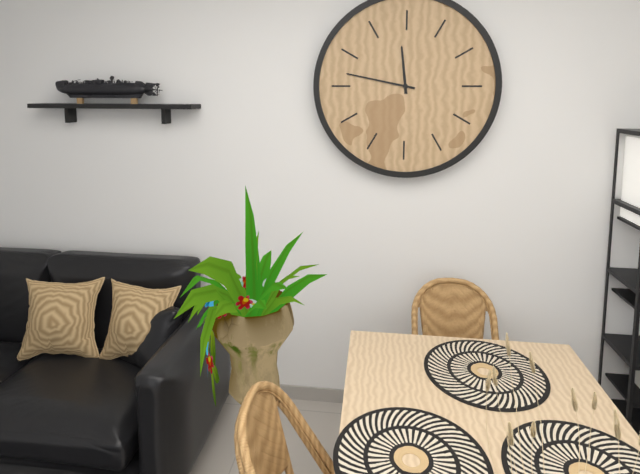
11,47
